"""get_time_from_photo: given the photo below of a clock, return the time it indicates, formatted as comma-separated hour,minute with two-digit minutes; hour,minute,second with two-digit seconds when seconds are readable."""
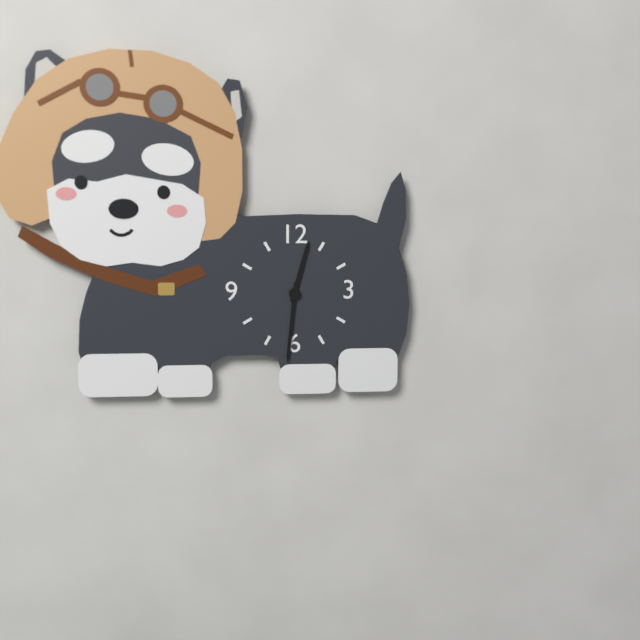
12,31
